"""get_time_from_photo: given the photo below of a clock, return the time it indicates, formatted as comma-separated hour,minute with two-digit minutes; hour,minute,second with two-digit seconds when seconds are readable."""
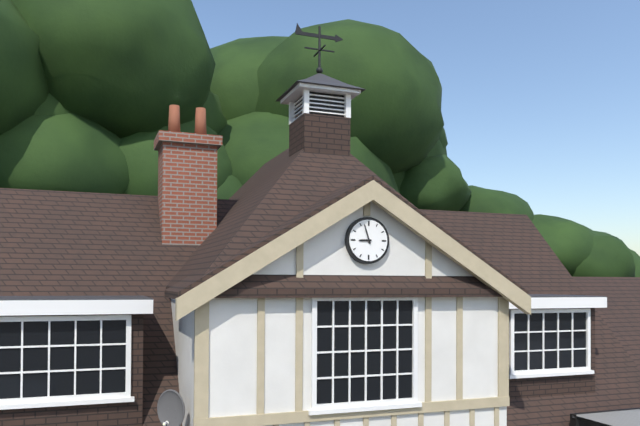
8,57
